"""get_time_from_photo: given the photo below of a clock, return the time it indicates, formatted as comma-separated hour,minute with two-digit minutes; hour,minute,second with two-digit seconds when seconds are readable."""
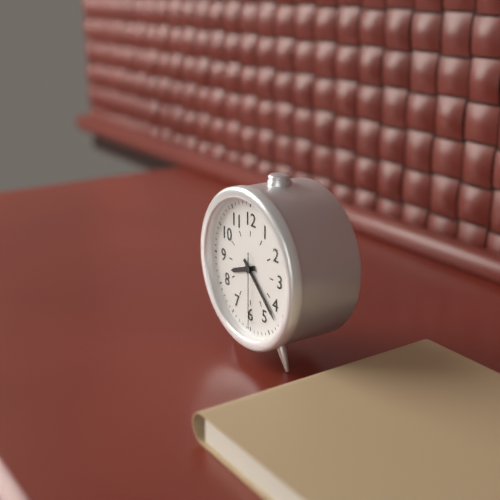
8,22,30
